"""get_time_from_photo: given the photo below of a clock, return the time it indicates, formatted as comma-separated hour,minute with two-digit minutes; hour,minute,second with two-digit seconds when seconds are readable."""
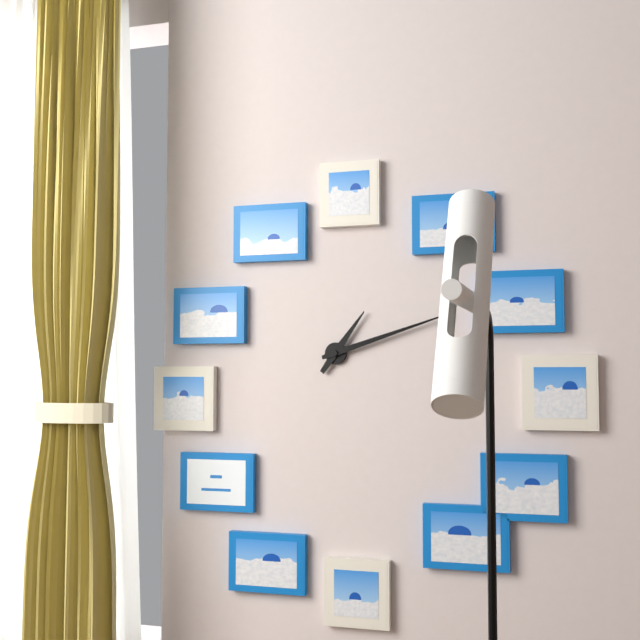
1,12
